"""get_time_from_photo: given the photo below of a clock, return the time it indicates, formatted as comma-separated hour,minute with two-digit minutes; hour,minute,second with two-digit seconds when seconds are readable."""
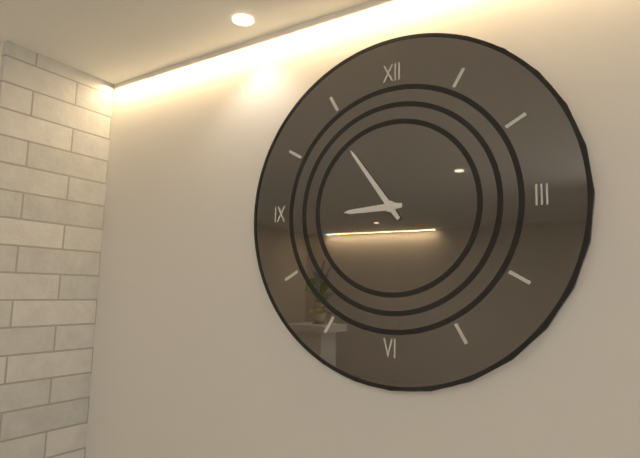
8,54
